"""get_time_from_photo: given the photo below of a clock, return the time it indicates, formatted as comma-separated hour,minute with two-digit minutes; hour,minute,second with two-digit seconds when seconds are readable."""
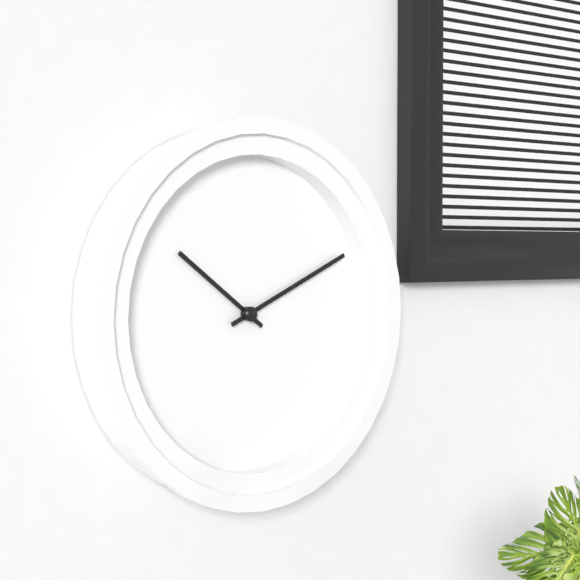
10,11
